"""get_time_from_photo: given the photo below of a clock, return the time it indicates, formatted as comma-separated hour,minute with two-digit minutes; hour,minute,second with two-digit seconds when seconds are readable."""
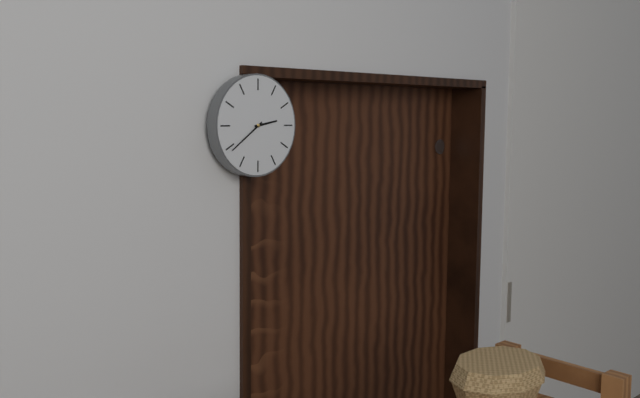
2,39
